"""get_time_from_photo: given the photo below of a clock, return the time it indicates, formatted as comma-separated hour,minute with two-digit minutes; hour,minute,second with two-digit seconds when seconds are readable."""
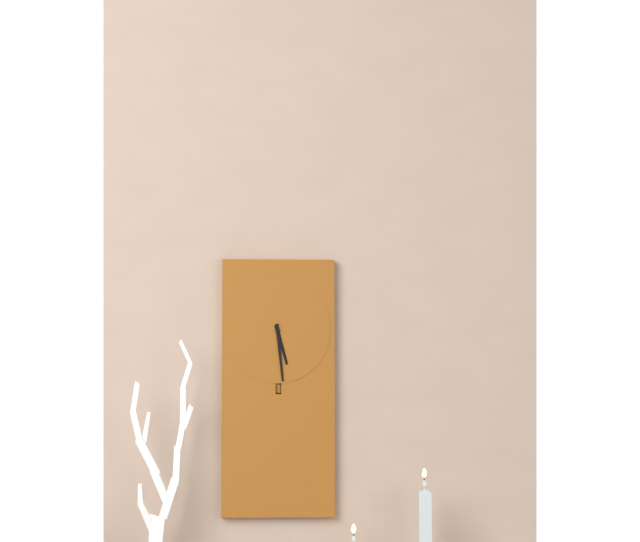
5,29
